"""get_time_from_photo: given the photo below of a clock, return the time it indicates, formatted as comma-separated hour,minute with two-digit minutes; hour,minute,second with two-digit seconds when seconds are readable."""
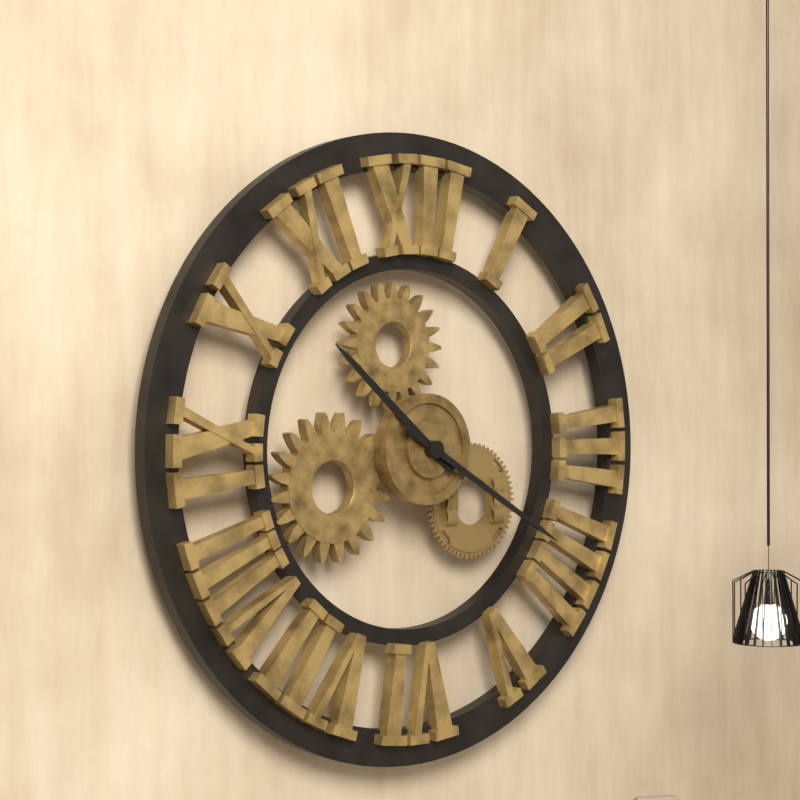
10,20
